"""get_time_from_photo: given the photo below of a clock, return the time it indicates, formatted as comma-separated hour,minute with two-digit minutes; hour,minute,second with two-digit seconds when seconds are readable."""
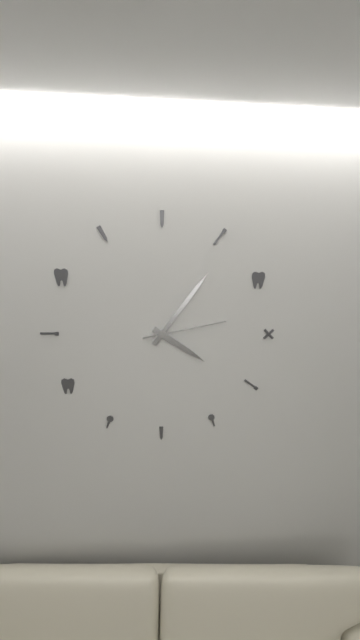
4,06,13
